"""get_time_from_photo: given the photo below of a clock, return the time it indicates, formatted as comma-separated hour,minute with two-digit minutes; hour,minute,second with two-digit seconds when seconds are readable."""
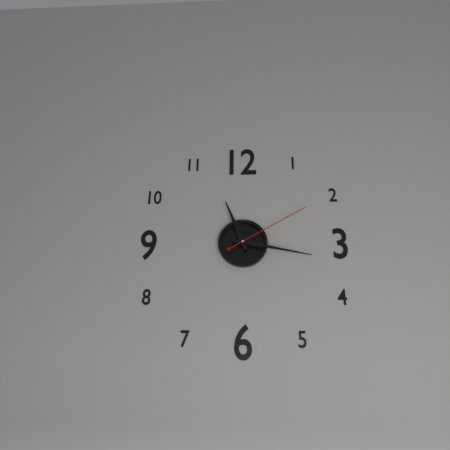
11,17,10
